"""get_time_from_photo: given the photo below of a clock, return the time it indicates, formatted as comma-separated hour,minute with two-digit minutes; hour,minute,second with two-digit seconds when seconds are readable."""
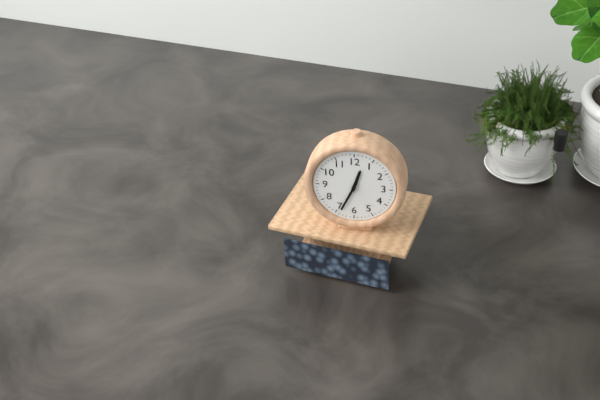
12,34
